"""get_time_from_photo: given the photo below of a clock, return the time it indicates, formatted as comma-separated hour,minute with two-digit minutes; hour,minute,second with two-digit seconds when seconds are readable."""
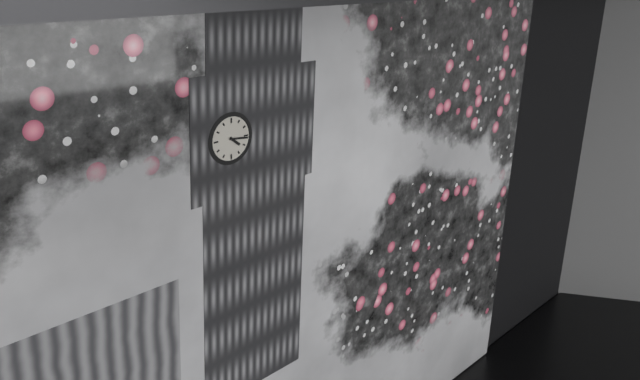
4,16
